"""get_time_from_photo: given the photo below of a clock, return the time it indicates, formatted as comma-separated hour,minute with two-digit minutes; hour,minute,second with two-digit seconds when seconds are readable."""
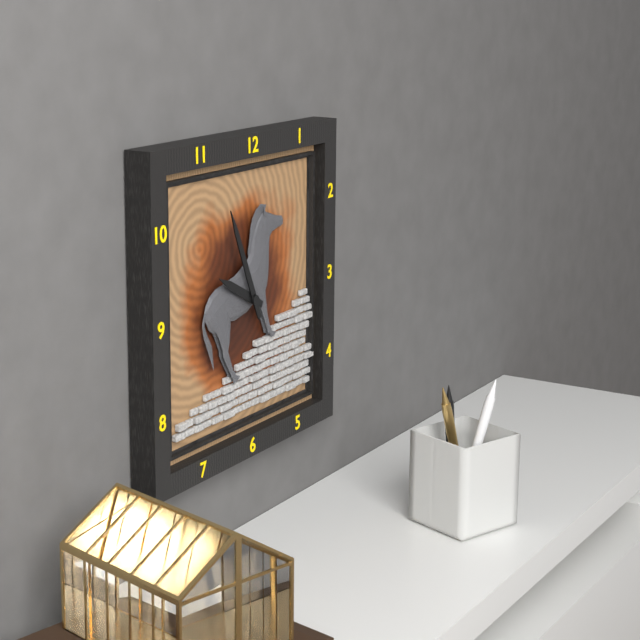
9,56
